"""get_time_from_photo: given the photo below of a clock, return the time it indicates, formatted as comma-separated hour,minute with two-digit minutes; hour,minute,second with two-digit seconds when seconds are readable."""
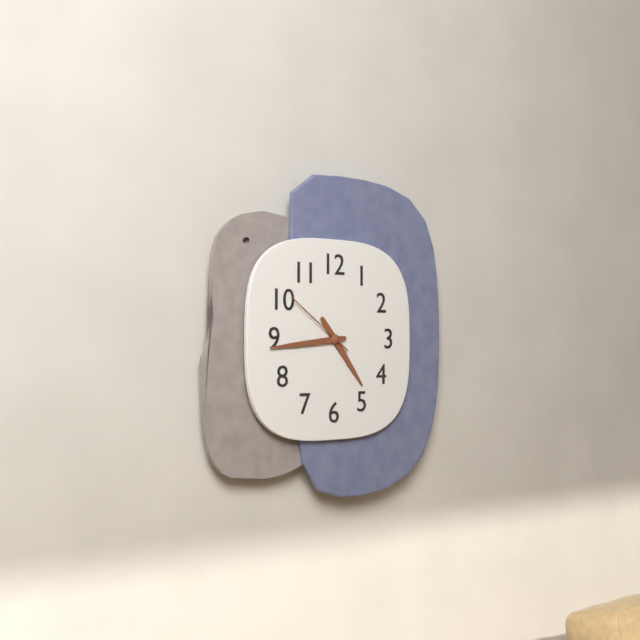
4,44,51
